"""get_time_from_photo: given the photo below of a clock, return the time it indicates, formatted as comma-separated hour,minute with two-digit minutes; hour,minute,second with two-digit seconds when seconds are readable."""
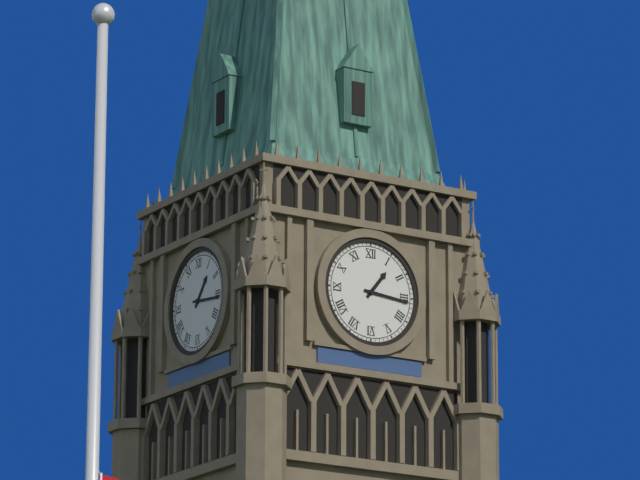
1,16
